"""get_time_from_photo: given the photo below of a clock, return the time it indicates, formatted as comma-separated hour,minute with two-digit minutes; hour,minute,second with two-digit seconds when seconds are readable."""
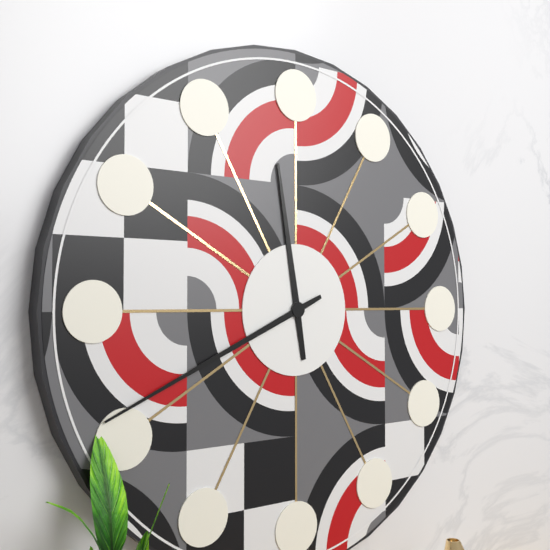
11,41
